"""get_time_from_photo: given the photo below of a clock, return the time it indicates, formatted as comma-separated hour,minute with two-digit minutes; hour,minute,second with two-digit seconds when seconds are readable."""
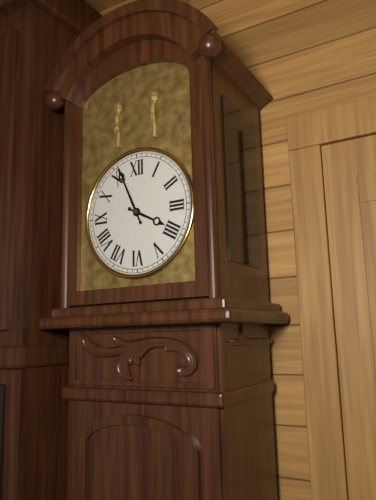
3,56
